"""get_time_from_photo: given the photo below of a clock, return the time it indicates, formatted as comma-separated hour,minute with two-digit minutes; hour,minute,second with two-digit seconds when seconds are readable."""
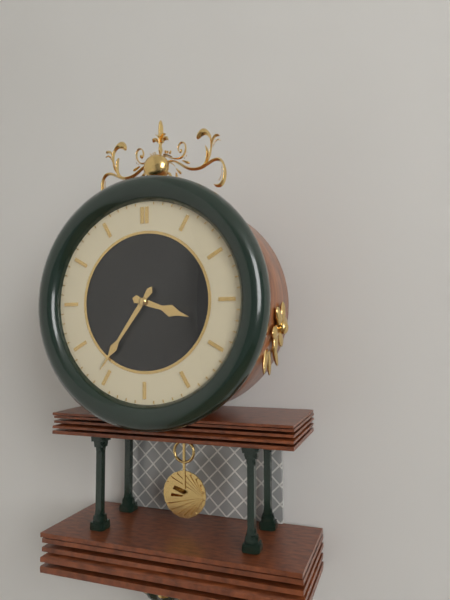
3,36
